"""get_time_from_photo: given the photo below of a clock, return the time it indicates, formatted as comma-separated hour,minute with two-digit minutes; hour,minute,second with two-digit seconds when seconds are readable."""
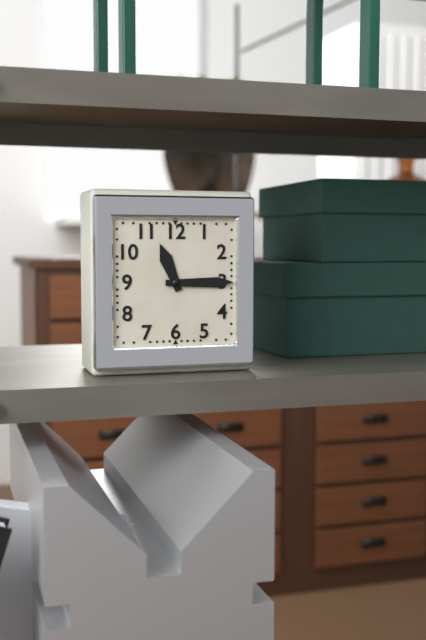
11,15
